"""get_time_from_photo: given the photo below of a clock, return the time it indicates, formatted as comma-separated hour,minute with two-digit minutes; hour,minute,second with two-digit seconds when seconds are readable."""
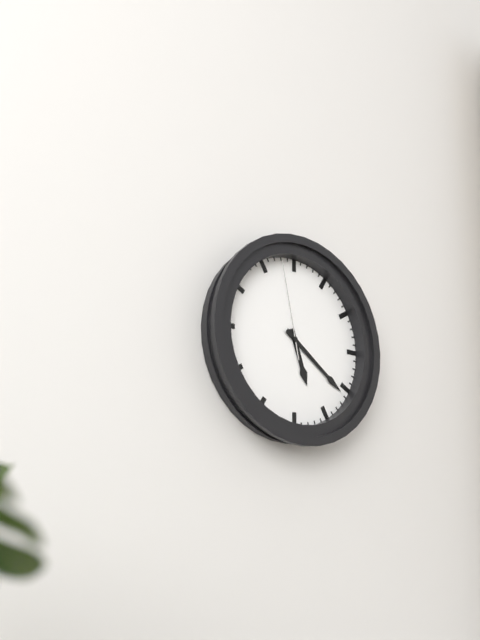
5,21,58
